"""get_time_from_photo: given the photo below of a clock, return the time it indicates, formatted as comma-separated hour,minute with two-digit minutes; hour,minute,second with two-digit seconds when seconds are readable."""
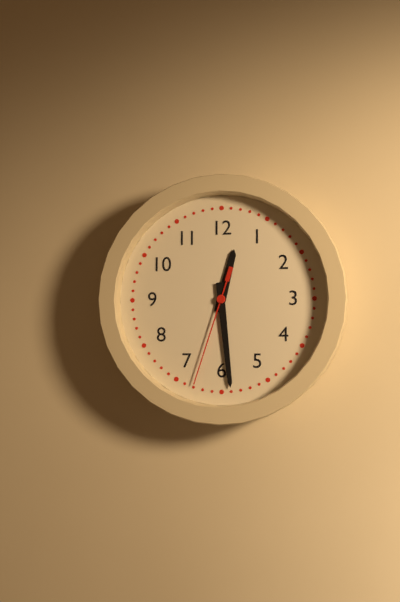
12,29,33
